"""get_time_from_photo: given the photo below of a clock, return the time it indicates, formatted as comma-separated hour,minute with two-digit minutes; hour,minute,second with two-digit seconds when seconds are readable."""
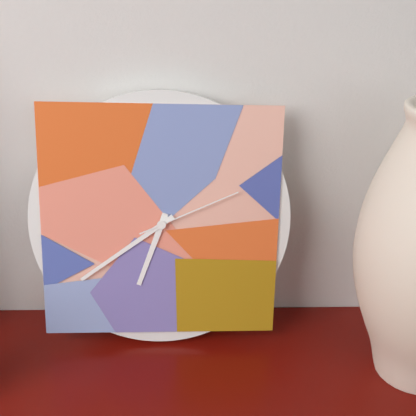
6,39,11
